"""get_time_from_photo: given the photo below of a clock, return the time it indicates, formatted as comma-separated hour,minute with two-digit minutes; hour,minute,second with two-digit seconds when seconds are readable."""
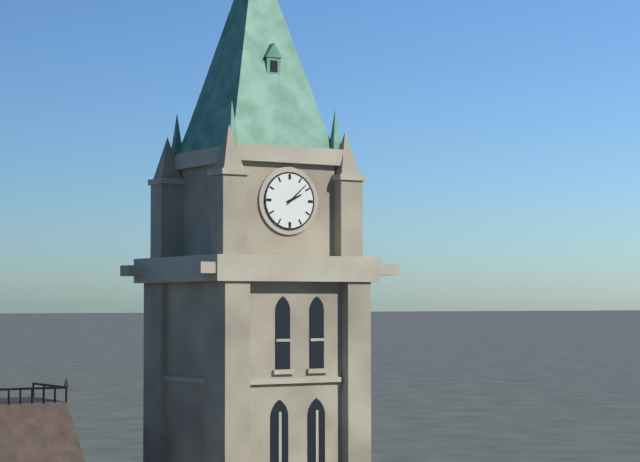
2,08
